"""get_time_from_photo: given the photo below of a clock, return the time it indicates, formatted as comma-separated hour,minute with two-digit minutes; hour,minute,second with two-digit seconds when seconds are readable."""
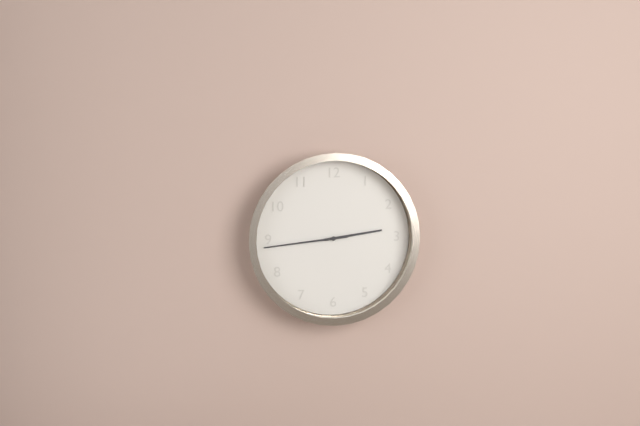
2,44
